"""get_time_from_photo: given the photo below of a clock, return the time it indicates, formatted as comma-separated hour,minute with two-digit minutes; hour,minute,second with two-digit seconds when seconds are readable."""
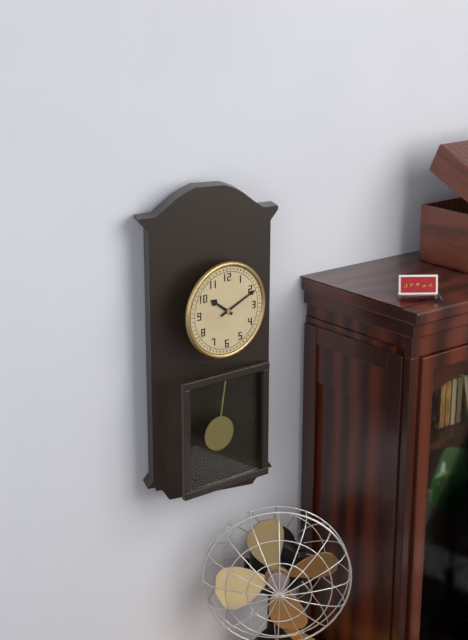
10,11
